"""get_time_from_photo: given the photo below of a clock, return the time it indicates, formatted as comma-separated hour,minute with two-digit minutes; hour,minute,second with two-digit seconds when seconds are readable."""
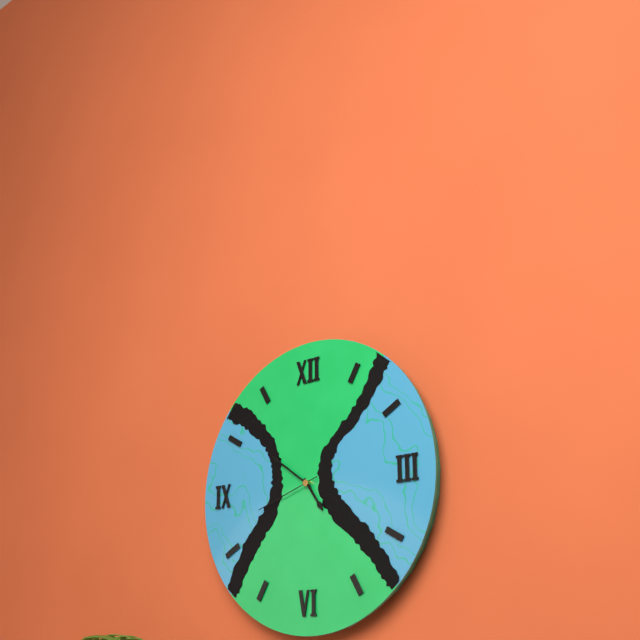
4,51,42
